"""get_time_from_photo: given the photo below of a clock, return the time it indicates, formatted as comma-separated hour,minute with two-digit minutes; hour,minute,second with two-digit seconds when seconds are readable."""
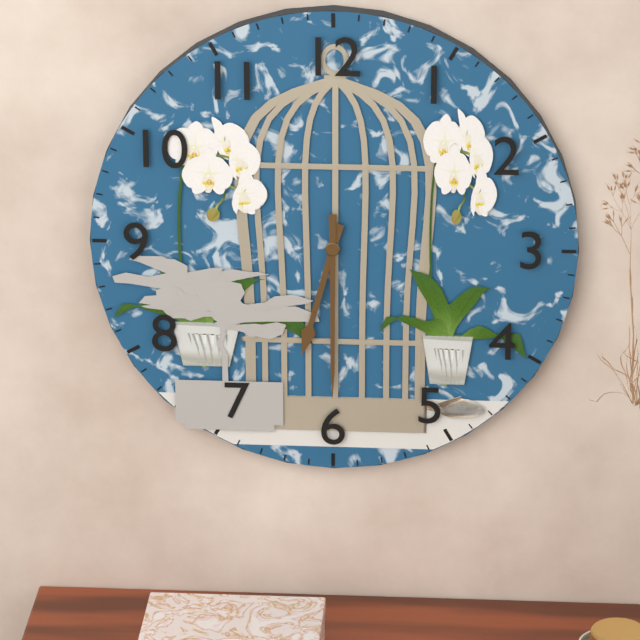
6,30
